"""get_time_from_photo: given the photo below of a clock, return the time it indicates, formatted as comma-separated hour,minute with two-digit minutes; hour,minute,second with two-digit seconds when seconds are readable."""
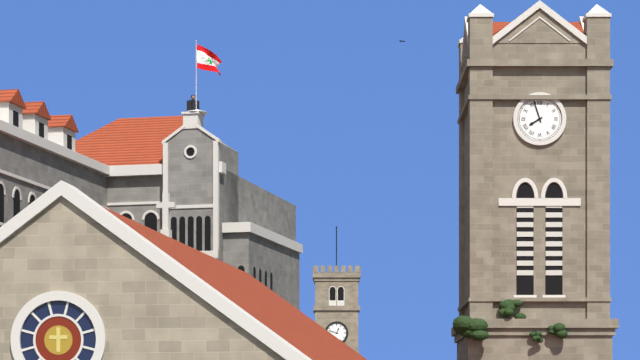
7,57
